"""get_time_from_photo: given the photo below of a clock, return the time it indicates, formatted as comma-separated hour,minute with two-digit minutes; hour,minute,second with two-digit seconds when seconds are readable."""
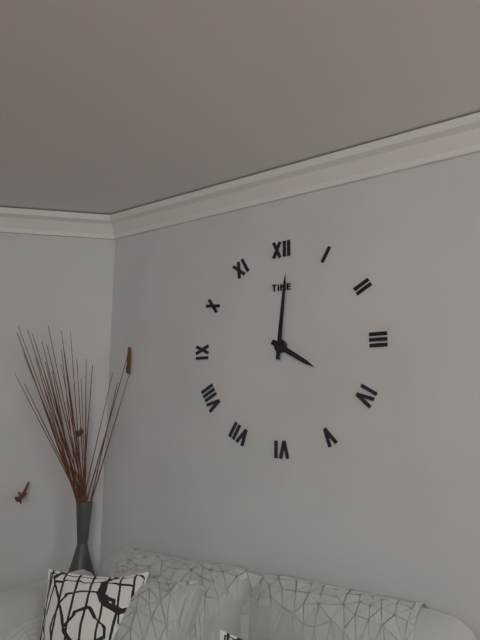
4,01
